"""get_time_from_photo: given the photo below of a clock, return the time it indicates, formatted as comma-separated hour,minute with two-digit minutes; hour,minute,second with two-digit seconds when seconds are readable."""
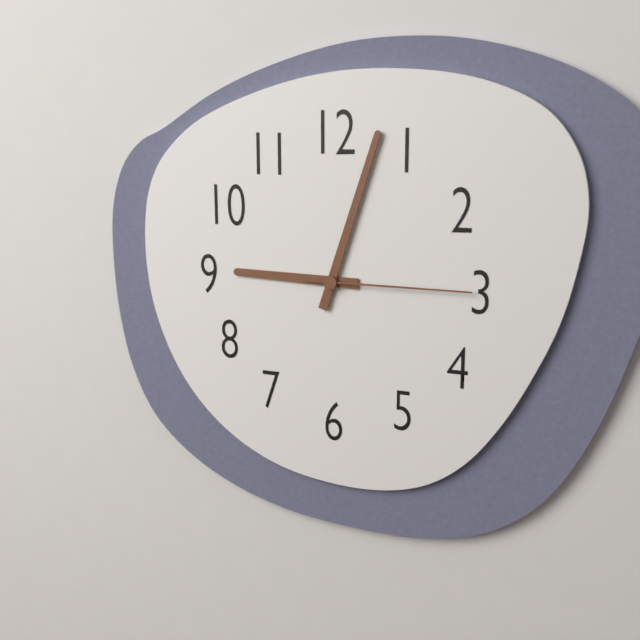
9,03,15
